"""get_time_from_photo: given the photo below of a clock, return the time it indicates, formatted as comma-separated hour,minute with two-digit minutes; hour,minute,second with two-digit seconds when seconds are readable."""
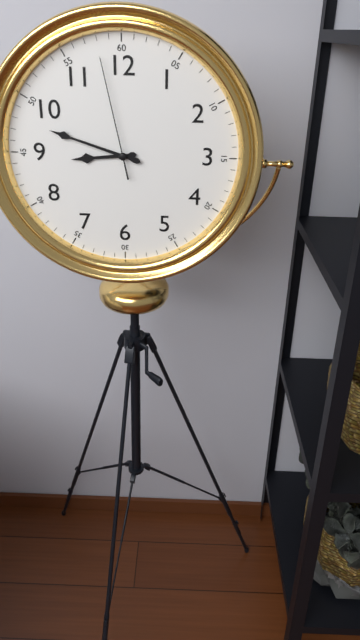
8,48,58
